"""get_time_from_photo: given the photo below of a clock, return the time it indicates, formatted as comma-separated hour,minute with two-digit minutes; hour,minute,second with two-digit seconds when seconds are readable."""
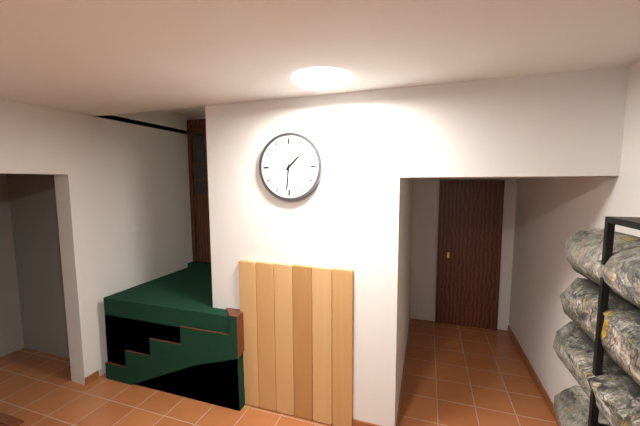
1,31
